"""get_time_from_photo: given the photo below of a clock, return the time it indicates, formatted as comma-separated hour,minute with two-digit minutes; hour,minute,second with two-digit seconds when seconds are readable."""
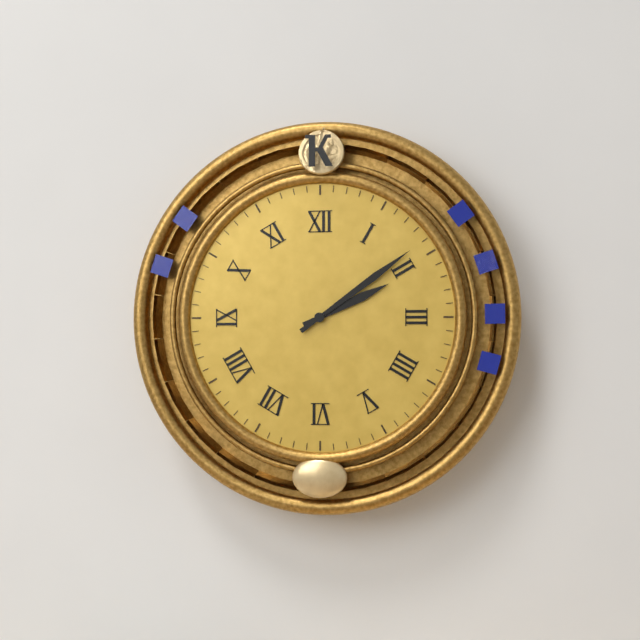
2,09
